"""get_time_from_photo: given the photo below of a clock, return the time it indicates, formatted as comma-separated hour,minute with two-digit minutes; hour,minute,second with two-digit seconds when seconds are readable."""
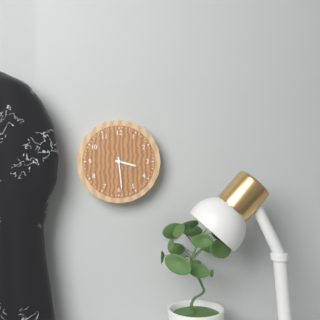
3,29
